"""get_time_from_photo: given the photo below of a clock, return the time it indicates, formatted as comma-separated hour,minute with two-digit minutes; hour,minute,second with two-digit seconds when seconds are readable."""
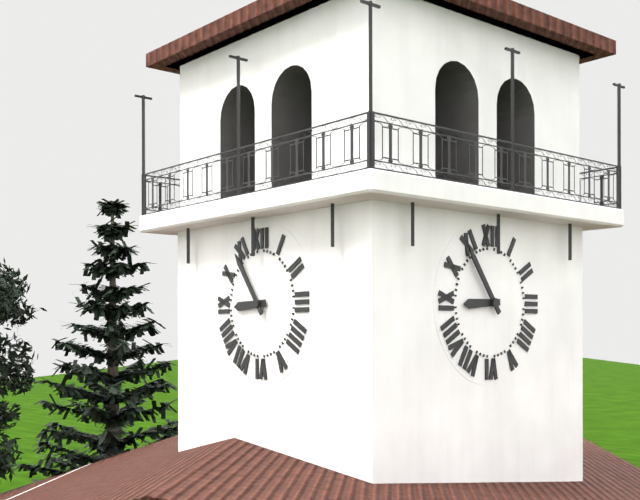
8,54
